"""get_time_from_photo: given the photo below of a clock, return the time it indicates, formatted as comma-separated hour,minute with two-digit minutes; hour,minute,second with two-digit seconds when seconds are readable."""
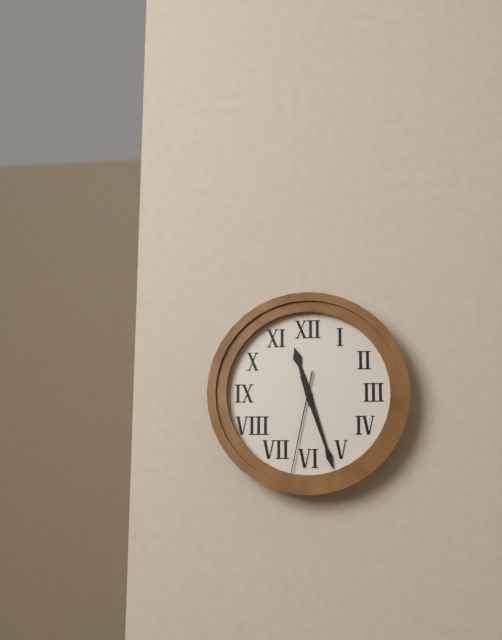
11,27,32
